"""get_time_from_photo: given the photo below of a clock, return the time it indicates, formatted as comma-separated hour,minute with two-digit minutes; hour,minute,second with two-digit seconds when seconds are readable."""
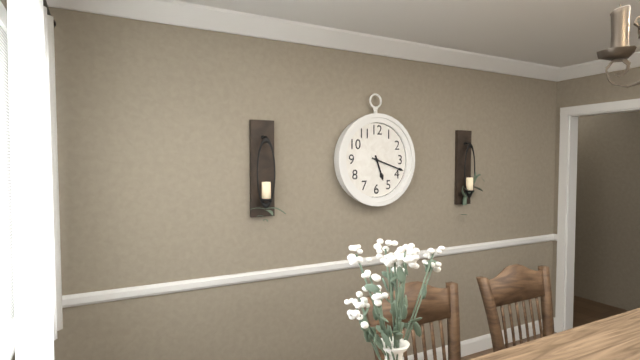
5,18
